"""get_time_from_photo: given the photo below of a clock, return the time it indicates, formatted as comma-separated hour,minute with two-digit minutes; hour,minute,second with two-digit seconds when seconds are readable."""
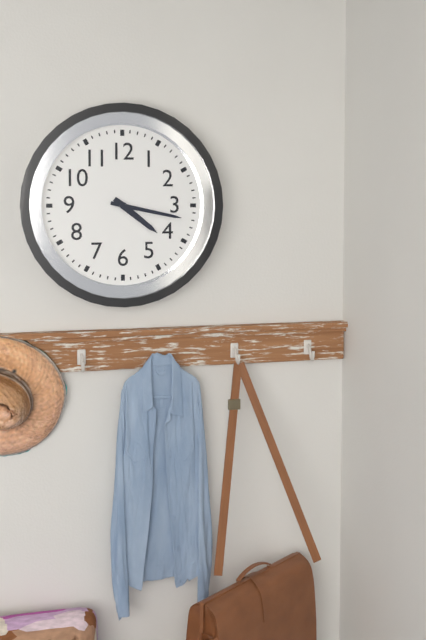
4,17
